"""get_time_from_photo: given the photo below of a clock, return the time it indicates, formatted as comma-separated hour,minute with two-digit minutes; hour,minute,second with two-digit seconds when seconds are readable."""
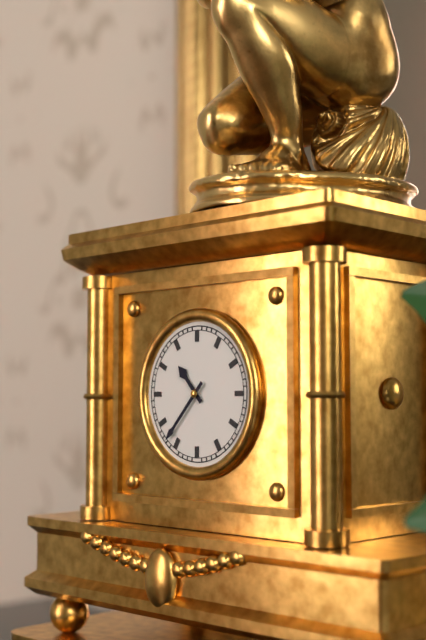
10,37
